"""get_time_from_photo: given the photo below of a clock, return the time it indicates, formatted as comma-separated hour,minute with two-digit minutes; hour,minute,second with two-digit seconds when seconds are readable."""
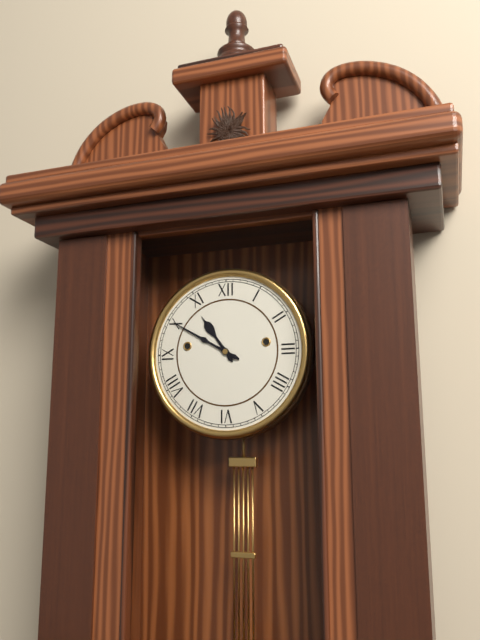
10,50
